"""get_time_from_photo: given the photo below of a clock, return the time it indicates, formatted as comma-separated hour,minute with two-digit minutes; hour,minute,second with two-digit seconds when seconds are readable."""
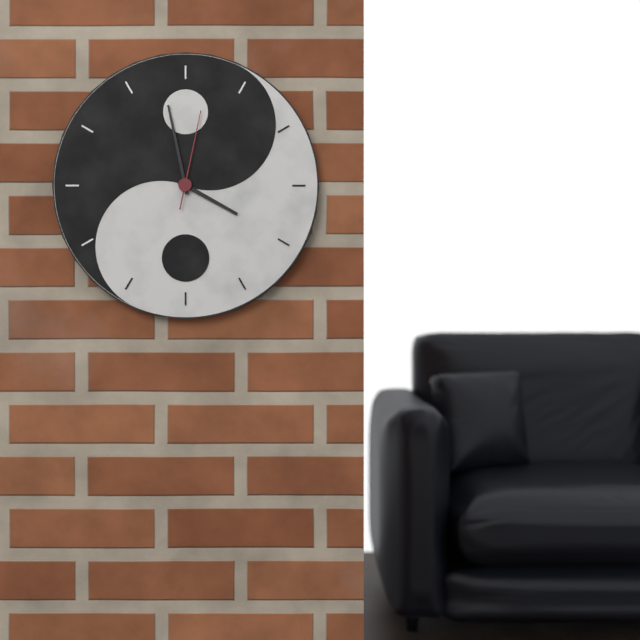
3,58,02
